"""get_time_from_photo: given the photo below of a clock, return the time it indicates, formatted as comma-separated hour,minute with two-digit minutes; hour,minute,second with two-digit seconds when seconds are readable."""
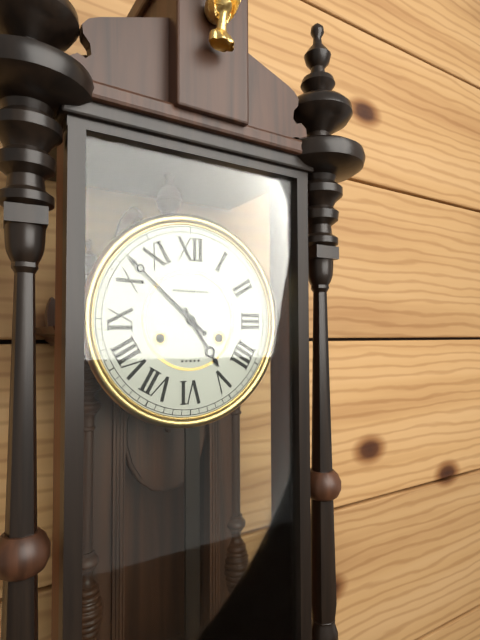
4,52
